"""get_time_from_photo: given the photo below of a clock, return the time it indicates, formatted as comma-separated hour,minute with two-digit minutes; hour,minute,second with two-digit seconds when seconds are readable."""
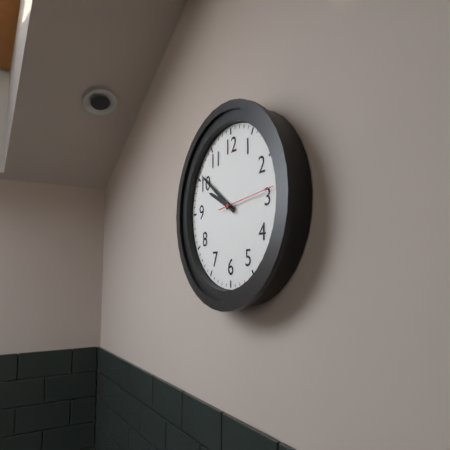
9,51,14
